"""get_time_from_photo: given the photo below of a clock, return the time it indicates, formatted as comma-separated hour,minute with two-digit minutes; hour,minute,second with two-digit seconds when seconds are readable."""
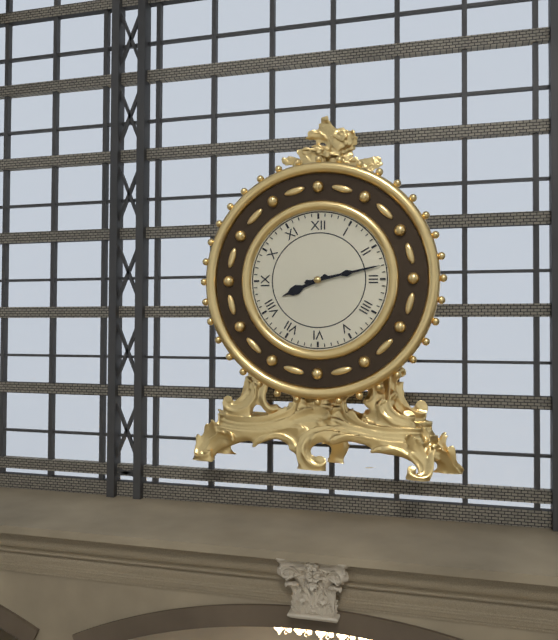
8,13
